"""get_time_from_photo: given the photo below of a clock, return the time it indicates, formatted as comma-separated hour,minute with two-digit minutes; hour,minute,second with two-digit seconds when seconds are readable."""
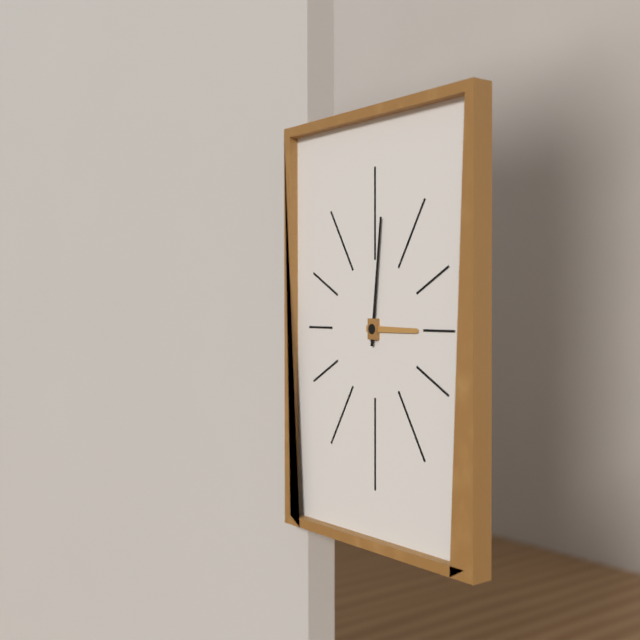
3,01
